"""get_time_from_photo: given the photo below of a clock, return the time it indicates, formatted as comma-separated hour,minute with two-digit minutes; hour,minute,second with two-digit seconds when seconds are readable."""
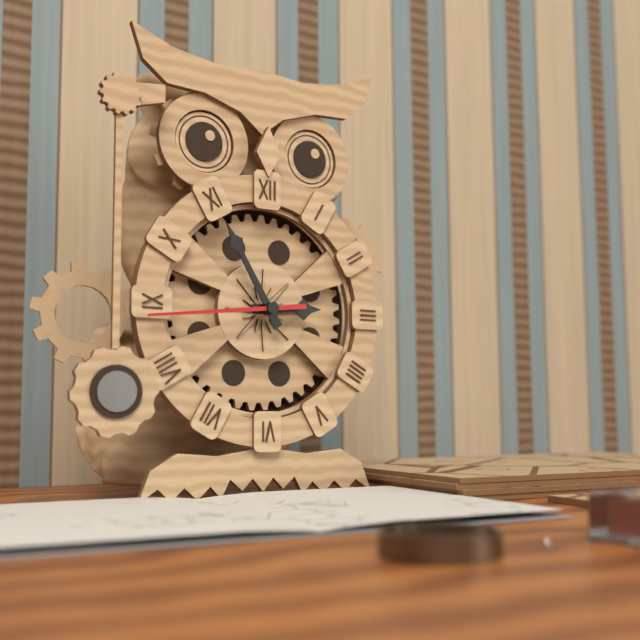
2,55,44
